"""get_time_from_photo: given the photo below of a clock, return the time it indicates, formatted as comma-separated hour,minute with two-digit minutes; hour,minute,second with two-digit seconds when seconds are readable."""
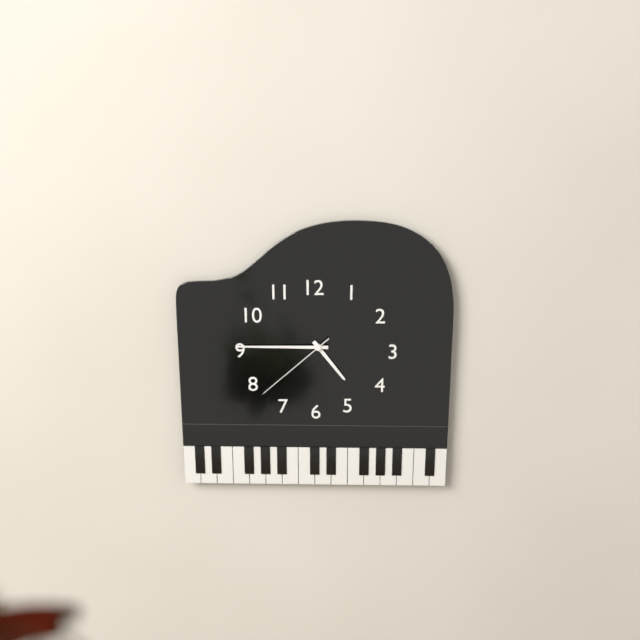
4,45,38
